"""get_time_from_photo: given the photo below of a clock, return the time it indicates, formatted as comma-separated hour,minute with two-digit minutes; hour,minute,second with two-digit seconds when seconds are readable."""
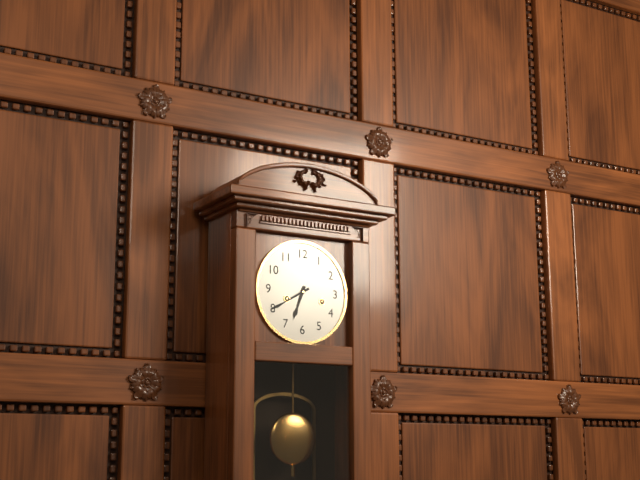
6,40
